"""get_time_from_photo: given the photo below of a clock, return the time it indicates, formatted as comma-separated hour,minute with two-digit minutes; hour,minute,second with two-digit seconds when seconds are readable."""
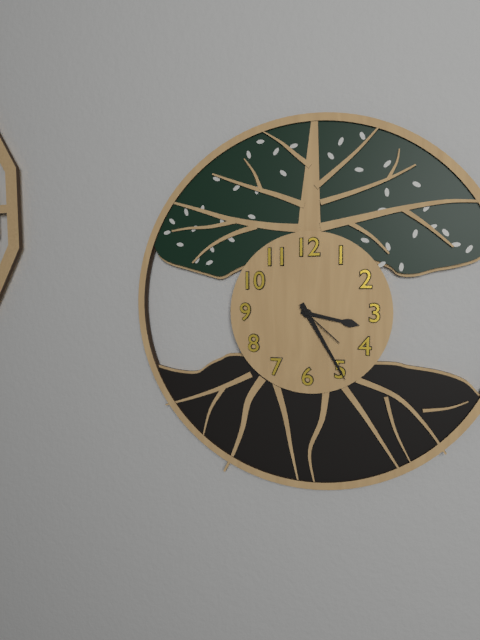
3,25,22
